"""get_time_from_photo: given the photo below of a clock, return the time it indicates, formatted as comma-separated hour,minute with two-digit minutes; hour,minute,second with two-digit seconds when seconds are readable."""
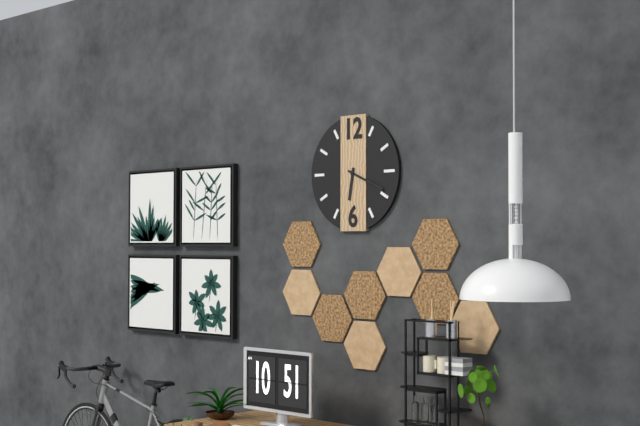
6,19
